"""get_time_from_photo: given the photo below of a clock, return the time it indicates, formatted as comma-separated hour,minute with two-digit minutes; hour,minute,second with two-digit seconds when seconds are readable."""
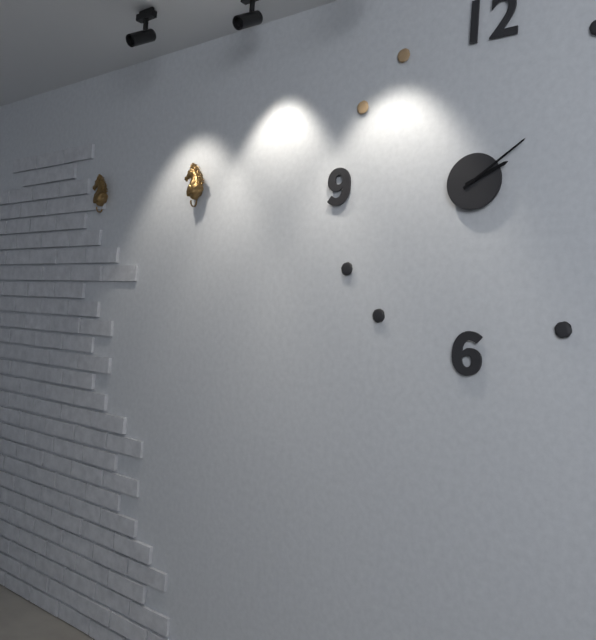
2,09
